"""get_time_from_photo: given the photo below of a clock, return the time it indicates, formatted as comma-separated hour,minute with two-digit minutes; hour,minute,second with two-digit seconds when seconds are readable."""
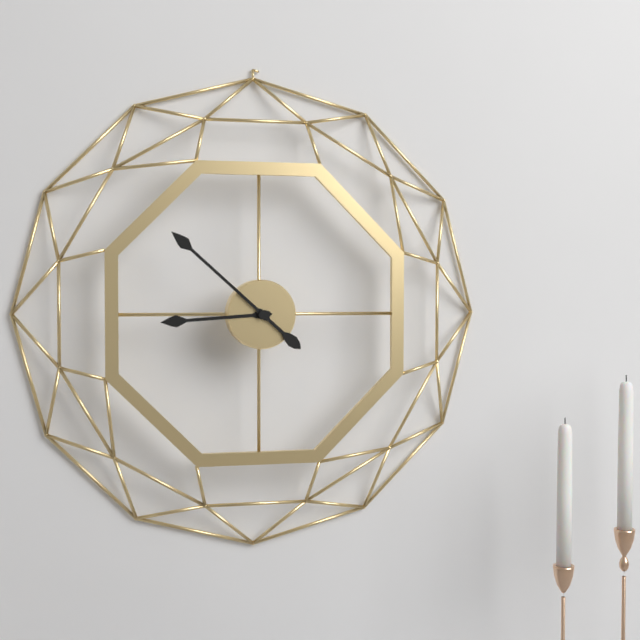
8,52
